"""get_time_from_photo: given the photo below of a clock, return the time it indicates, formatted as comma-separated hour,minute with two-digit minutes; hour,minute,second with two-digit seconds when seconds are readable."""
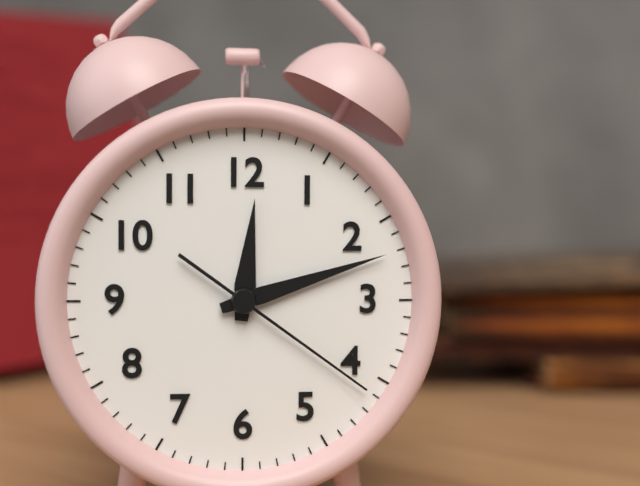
12,12,21
